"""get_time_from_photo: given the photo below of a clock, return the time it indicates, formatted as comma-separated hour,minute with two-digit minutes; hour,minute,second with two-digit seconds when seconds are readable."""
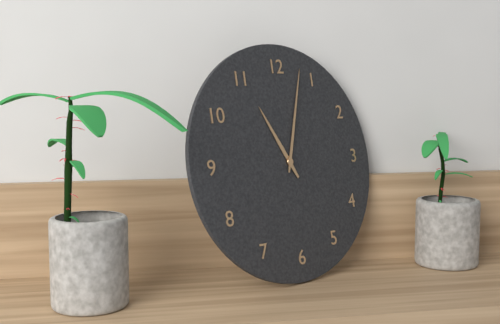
11,03
